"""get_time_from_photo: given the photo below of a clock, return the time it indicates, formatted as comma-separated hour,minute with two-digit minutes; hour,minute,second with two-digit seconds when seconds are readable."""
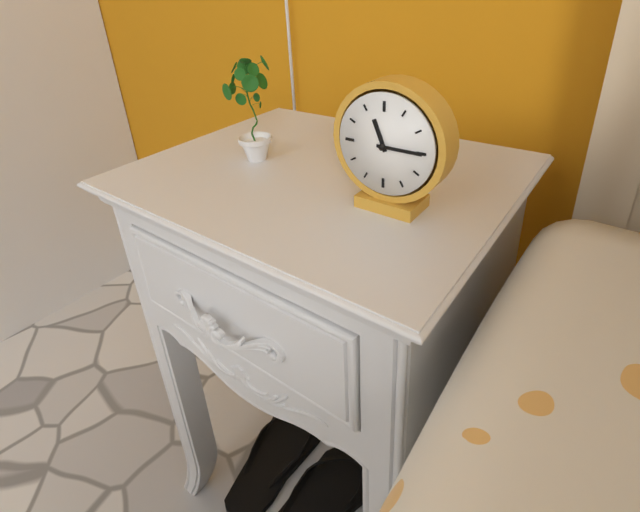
11,15
